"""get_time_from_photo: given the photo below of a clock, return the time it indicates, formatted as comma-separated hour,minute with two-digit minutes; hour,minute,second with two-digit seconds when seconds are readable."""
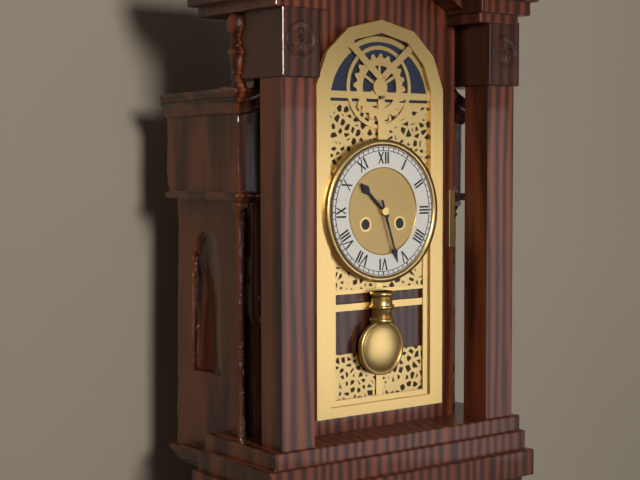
10,27
